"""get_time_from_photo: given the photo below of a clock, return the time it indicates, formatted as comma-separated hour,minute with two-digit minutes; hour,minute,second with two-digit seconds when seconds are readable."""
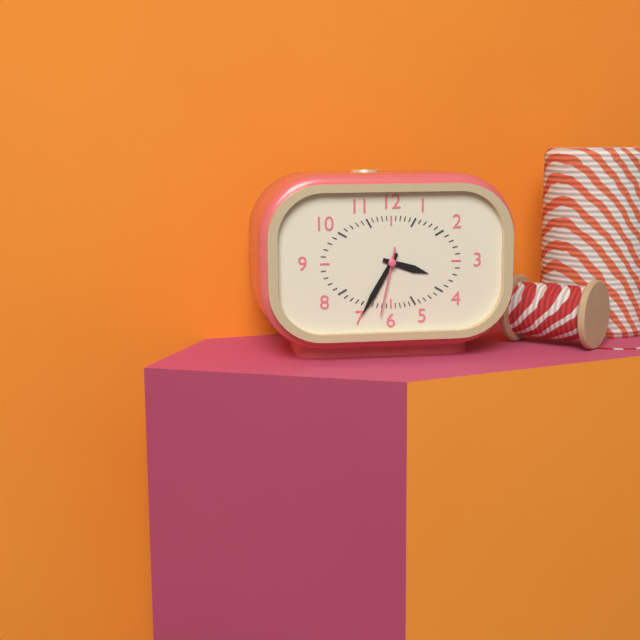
3,35,32
